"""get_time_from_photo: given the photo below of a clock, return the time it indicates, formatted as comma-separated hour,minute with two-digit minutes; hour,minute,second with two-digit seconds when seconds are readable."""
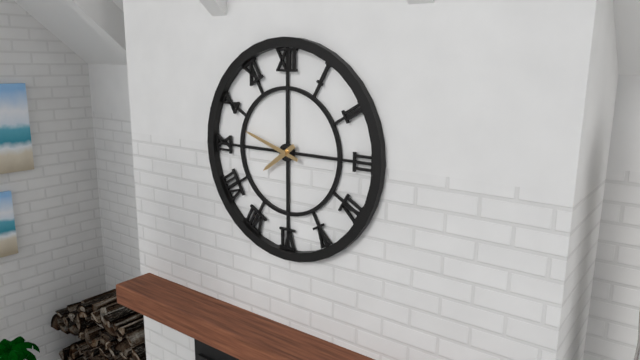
7,48
